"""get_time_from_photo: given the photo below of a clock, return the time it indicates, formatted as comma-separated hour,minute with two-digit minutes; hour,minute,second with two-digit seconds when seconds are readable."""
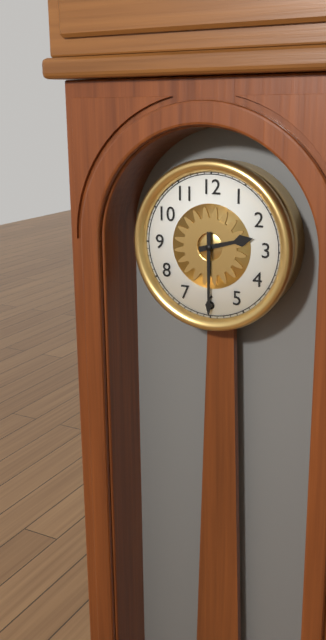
2,30
